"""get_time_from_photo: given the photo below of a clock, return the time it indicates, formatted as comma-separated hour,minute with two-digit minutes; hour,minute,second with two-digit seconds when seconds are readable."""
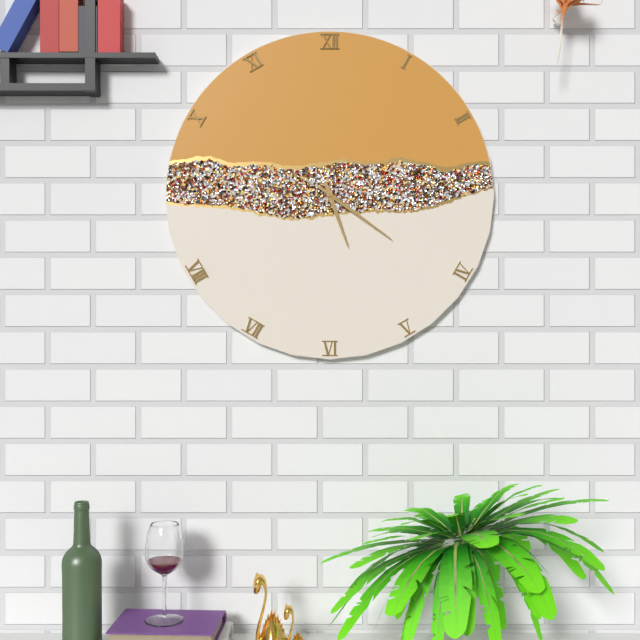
5,21,50
